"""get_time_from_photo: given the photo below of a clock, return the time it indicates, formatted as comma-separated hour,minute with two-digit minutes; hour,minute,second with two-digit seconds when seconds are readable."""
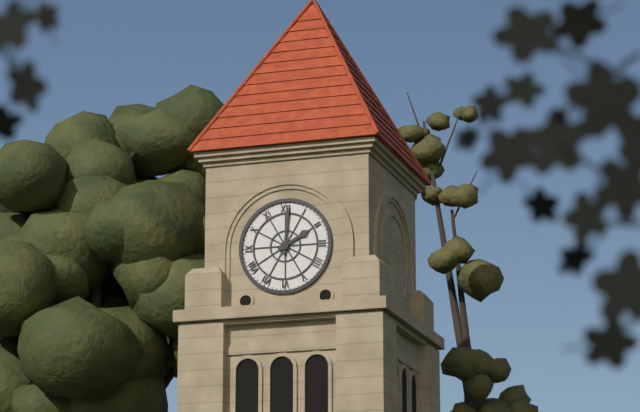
2,01
